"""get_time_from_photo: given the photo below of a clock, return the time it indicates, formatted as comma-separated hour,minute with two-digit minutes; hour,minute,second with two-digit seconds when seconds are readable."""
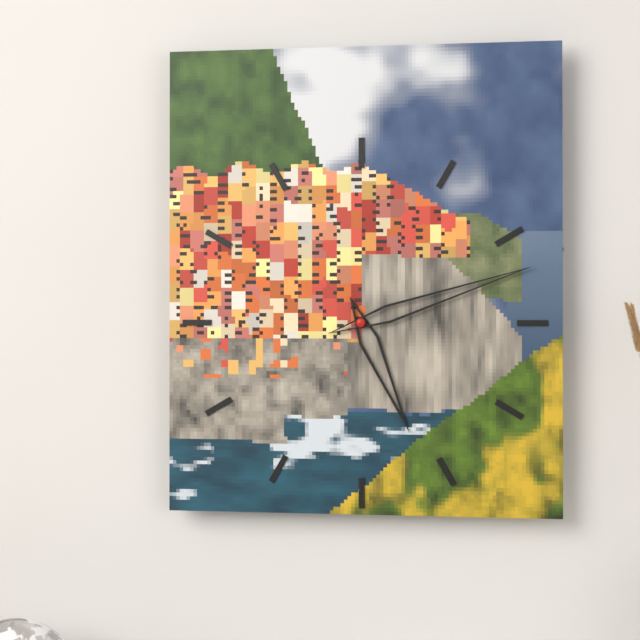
5,12
